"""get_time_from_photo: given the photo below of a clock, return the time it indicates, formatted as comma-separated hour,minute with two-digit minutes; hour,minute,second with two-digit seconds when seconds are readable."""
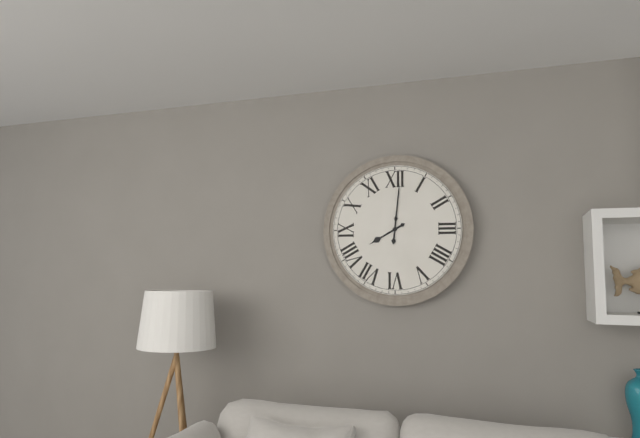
8,01
